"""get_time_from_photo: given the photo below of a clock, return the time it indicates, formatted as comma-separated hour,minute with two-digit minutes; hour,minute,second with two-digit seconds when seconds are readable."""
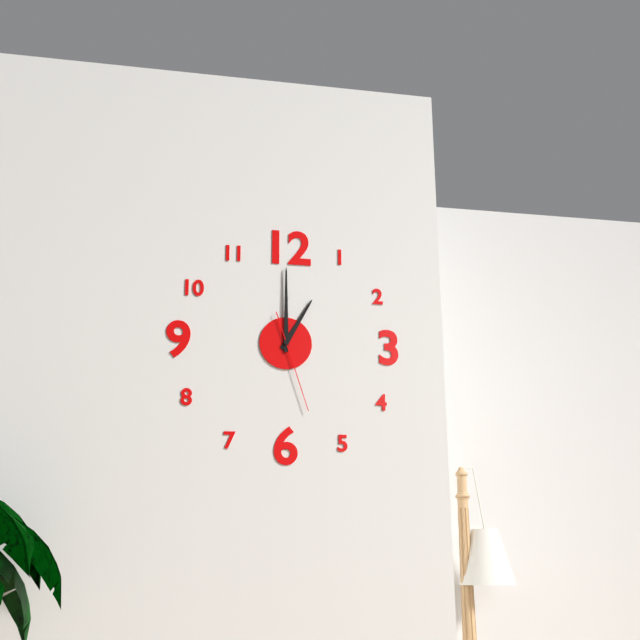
1,00,27
